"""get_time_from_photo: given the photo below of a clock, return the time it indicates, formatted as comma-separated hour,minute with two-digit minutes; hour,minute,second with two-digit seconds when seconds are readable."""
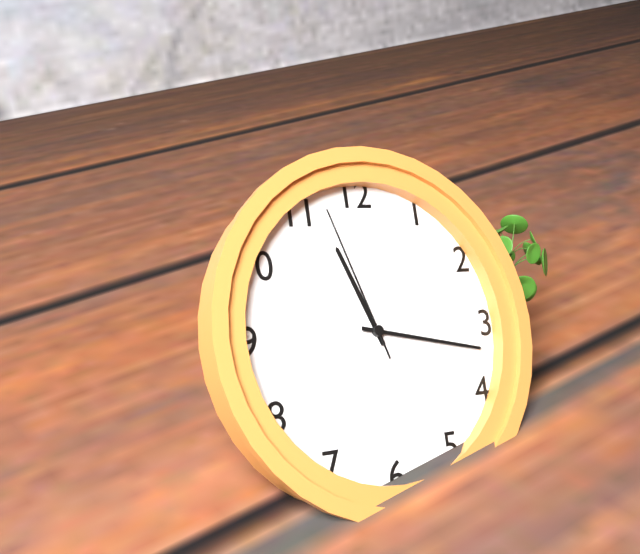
11,17,57
